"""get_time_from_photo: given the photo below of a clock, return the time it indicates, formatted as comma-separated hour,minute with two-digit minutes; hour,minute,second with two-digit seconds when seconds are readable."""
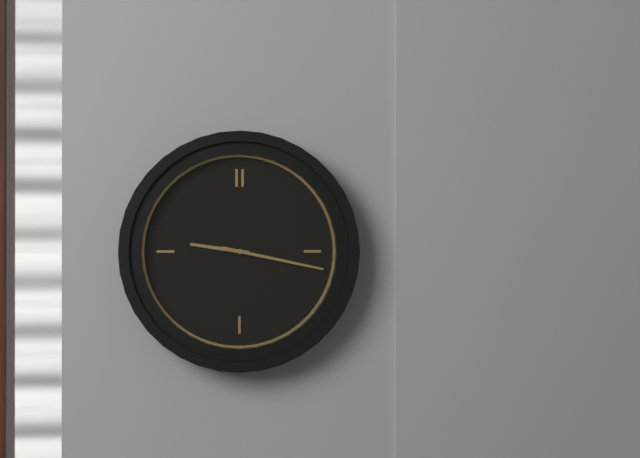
9,17
